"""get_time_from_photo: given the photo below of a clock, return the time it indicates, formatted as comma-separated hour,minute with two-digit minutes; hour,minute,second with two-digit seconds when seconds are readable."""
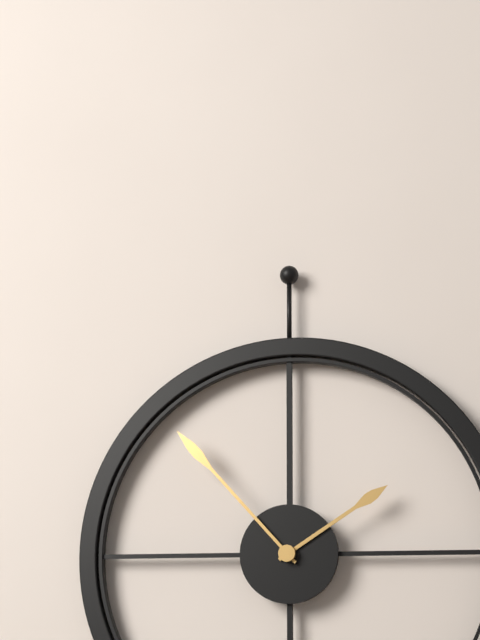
1,53
